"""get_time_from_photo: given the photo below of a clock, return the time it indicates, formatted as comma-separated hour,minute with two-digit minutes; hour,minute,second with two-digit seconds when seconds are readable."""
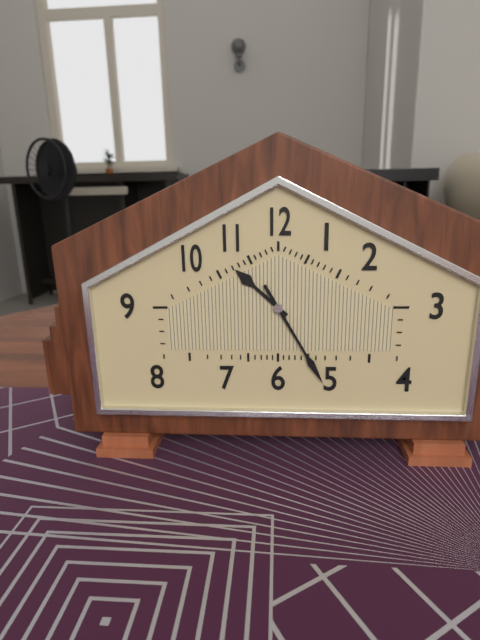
10,25
